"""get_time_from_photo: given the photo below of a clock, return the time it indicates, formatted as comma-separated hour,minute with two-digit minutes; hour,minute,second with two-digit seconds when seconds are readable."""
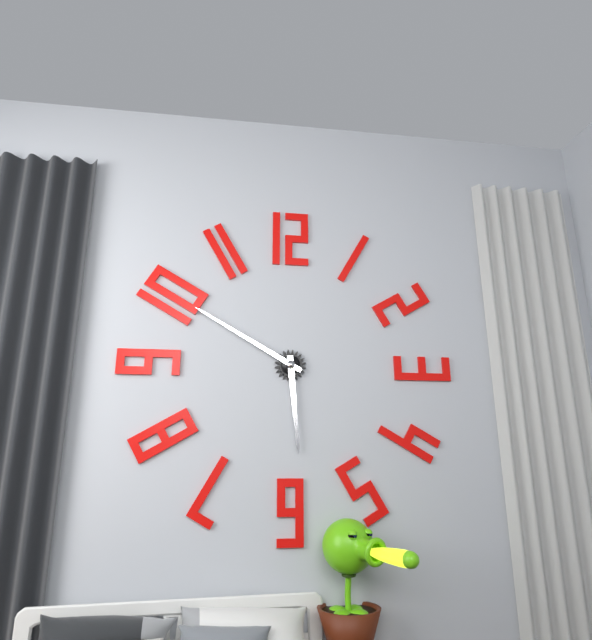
5,50
